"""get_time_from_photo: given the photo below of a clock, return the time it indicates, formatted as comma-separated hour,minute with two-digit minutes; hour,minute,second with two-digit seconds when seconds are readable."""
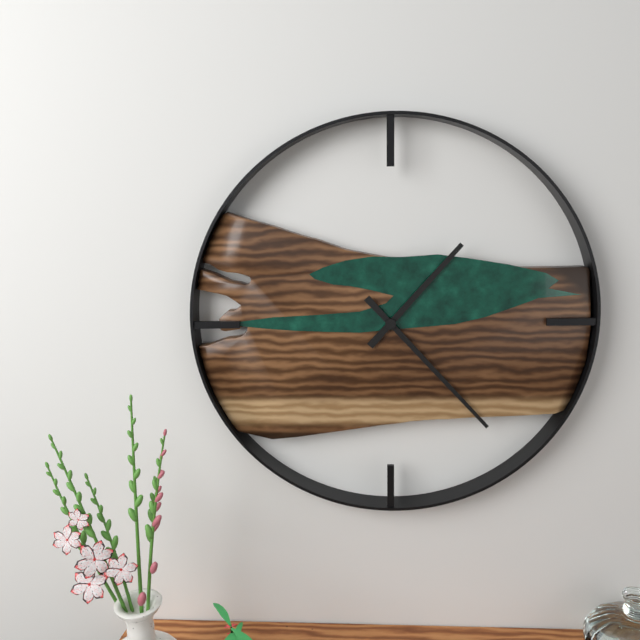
1,23
